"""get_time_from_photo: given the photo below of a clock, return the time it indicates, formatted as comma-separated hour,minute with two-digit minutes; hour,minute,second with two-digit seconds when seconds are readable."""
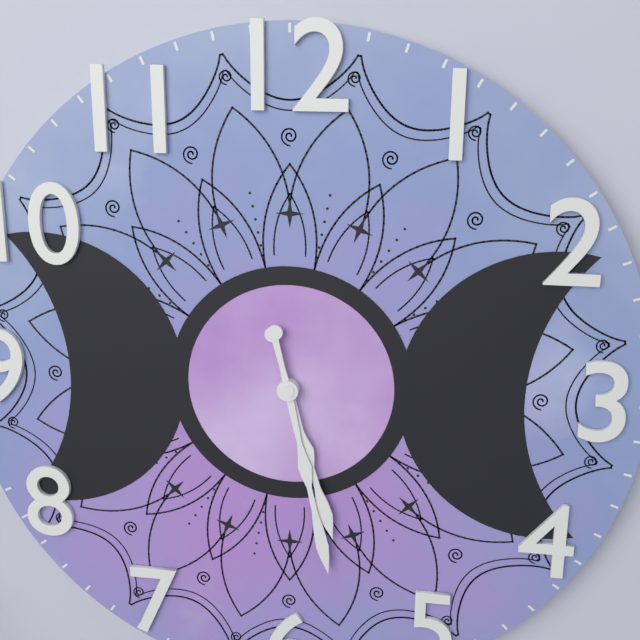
5,28
